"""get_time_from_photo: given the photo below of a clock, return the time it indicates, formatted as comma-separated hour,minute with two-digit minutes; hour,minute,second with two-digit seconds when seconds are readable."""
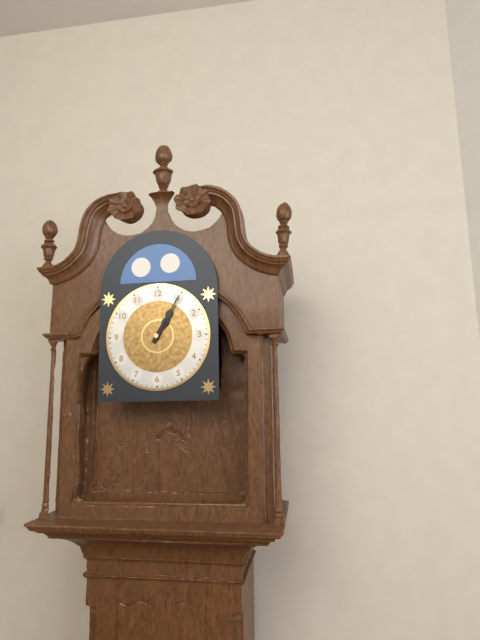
1,05
